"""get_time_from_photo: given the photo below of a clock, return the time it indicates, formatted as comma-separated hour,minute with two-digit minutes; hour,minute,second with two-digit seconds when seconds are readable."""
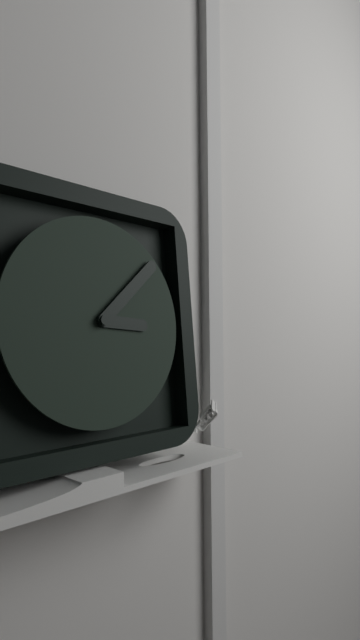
3,08
